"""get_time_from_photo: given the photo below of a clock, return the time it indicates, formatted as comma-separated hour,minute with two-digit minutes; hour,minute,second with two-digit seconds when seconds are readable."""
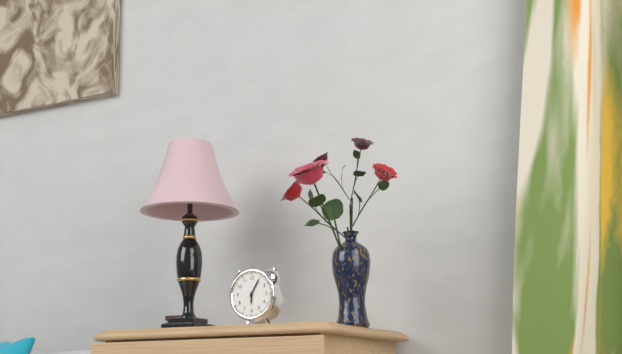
6,05
